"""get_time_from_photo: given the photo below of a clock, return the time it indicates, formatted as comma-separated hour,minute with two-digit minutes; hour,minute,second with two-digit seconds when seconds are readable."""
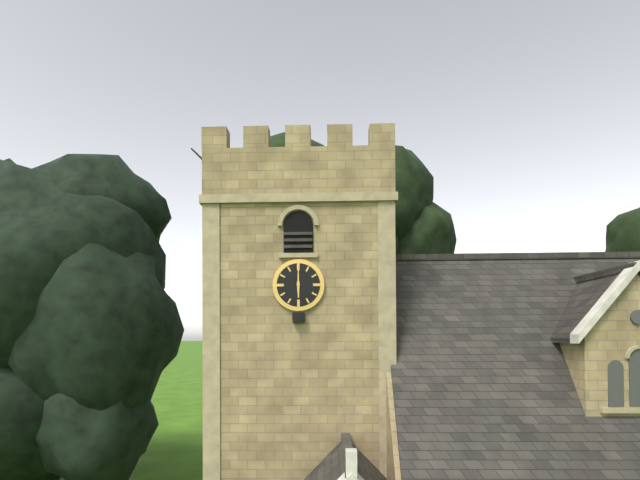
6,00
